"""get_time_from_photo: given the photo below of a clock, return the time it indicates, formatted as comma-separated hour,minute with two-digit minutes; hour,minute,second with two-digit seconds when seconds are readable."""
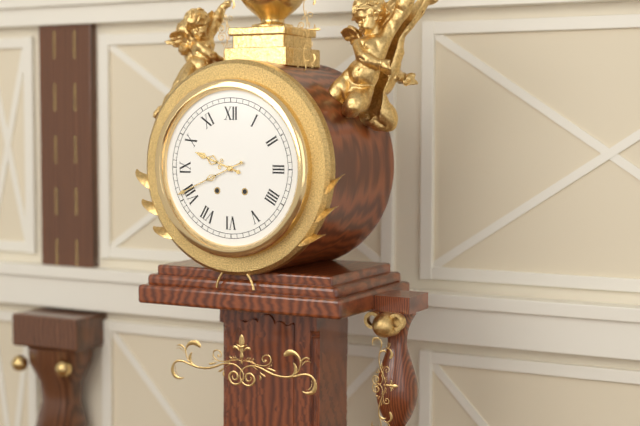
9,41
